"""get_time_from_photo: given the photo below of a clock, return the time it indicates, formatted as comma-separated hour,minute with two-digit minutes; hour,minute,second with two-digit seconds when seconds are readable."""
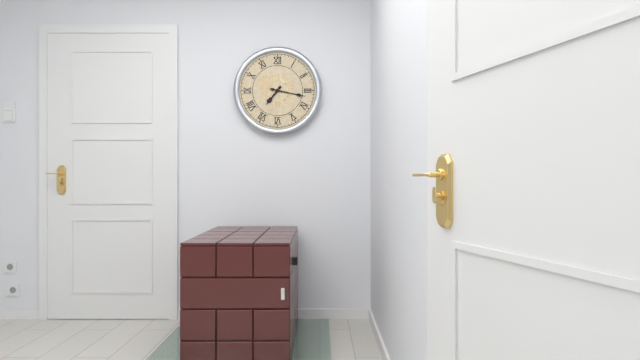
7,17
